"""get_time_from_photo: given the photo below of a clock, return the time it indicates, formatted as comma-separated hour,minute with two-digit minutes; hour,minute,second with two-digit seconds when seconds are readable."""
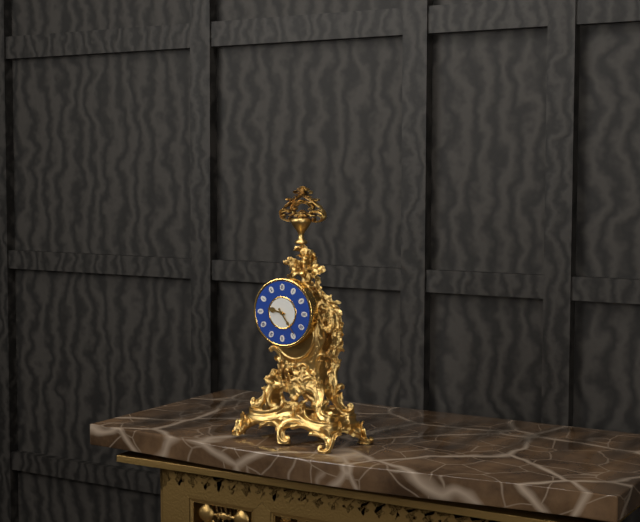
9,24
